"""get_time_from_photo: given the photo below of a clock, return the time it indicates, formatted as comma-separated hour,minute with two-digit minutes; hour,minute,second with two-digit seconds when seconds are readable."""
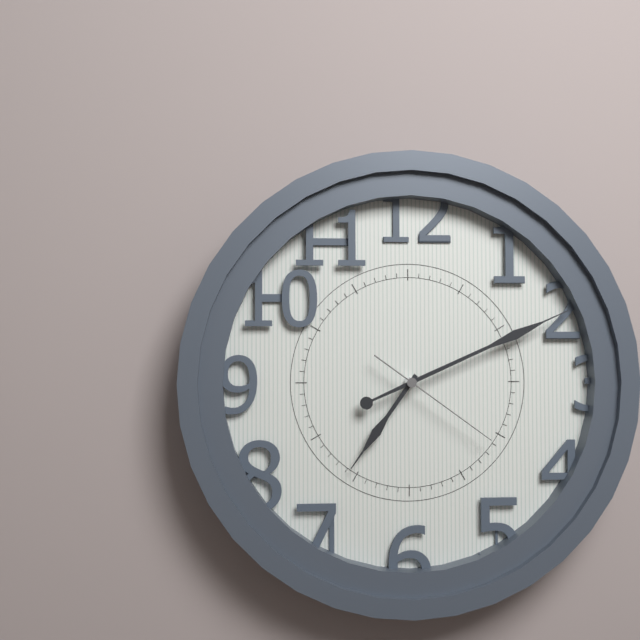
7,11,21
